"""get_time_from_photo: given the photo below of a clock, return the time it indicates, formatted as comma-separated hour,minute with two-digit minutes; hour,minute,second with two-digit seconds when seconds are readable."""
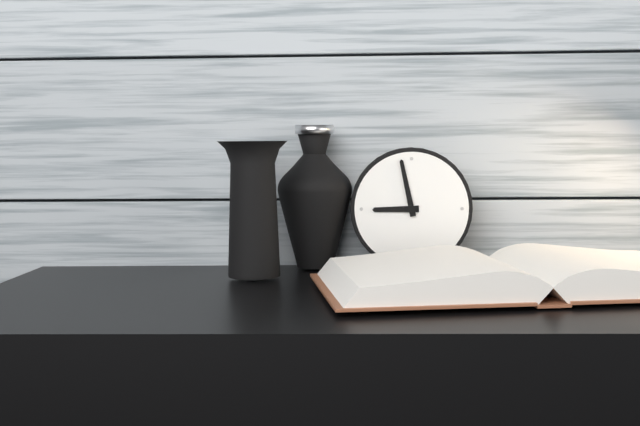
8,58
